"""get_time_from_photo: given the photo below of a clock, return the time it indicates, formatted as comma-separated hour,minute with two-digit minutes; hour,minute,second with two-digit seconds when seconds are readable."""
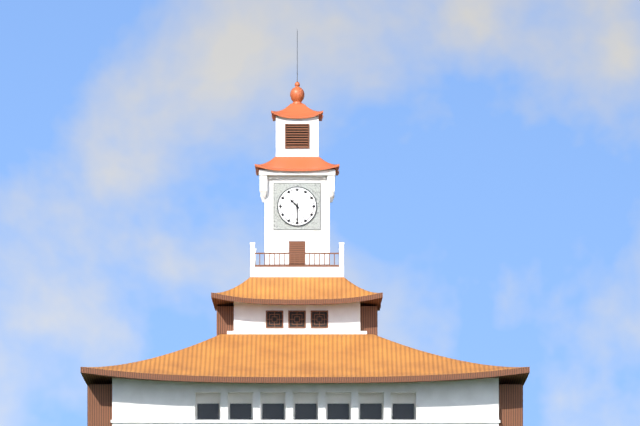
10,30
